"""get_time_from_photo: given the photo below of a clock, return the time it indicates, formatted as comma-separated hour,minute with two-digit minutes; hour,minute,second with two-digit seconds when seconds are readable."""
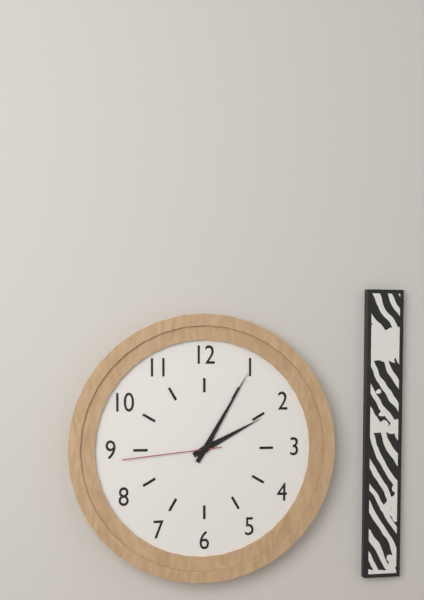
2,05,44
